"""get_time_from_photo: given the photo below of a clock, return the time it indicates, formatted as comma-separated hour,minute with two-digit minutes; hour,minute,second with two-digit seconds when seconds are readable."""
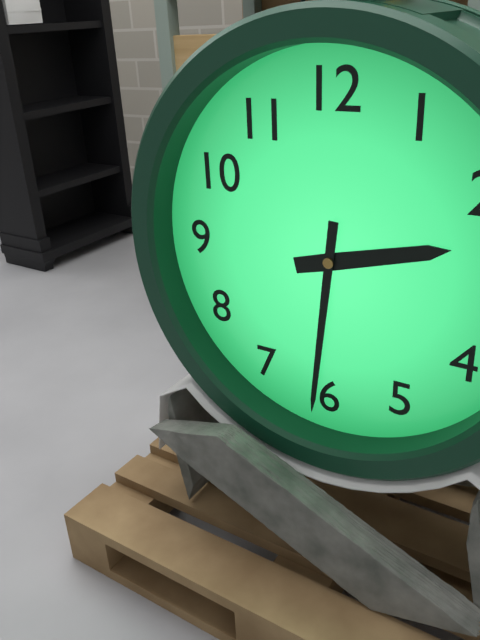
2,31
